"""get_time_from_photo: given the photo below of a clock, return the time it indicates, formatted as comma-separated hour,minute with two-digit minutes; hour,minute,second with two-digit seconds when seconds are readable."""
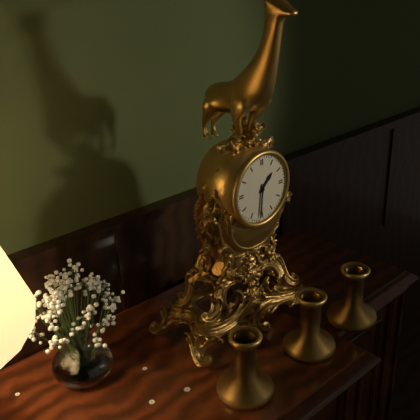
1,31
